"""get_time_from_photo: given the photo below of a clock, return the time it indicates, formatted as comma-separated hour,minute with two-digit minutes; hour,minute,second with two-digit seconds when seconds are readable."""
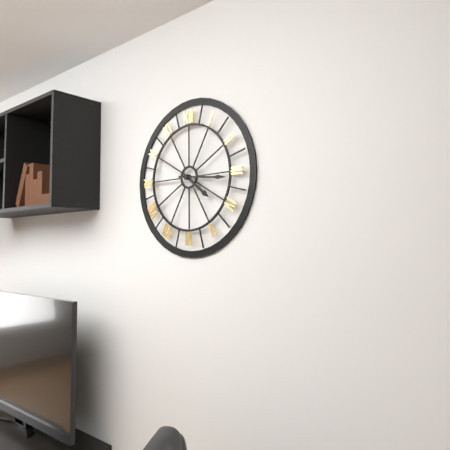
4,16
